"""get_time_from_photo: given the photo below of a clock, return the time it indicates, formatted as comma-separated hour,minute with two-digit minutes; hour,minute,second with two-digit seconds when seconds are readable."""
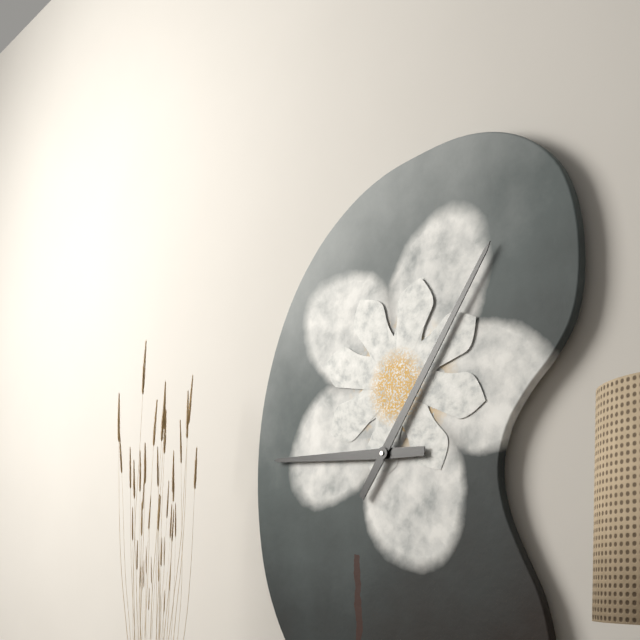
9,06
